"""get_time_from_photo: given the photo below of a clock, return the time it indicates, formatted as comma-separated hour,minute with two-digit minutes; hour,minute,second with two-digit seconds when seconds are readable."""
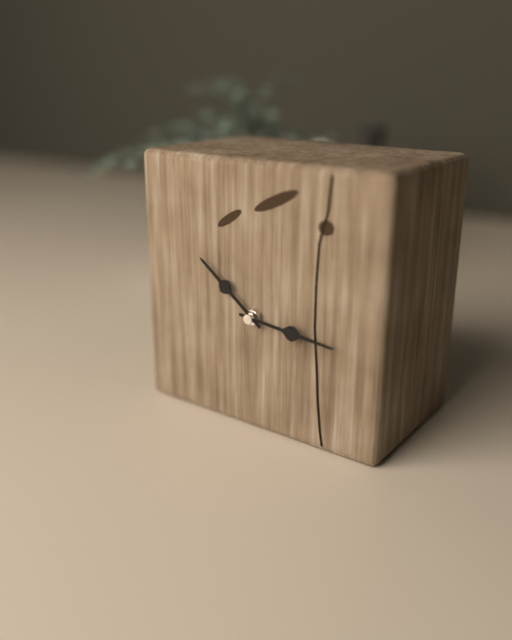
10,16
